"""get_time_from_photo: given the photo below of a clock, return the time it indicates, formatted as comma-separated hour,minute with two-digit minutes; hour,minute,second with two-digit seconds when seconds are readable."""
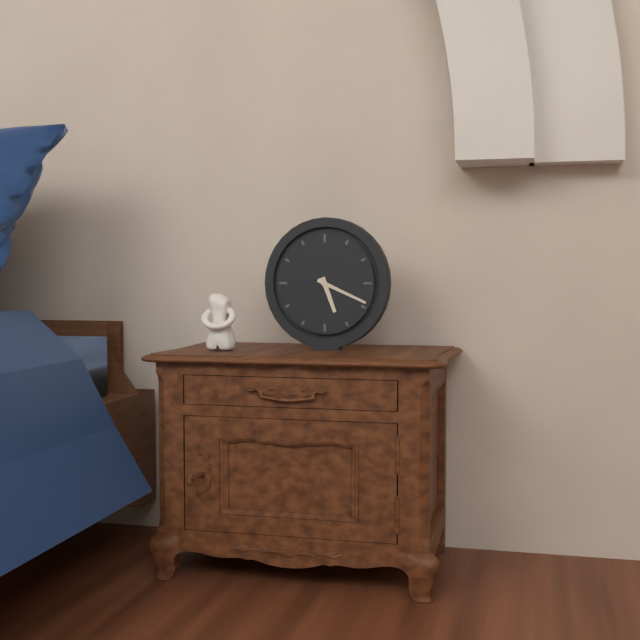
5,19
